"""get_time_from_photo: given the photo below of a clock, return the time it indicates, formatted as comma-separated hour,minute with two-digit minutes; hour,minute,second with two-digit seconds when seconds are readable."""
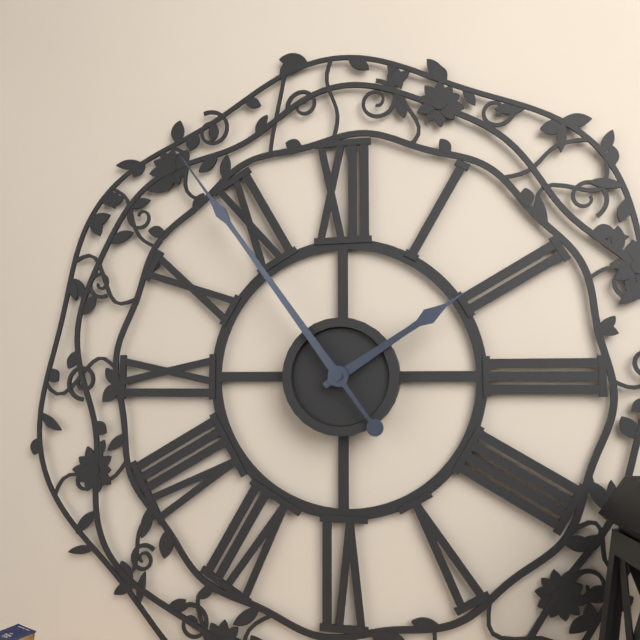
1,54
